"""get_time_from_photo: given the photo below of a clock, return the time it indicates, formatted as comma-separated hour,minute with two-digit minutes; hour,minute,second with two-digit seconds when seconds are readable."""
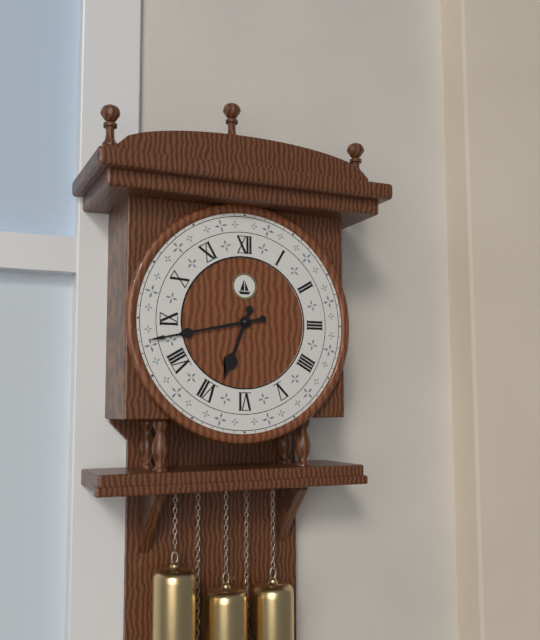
6,43
